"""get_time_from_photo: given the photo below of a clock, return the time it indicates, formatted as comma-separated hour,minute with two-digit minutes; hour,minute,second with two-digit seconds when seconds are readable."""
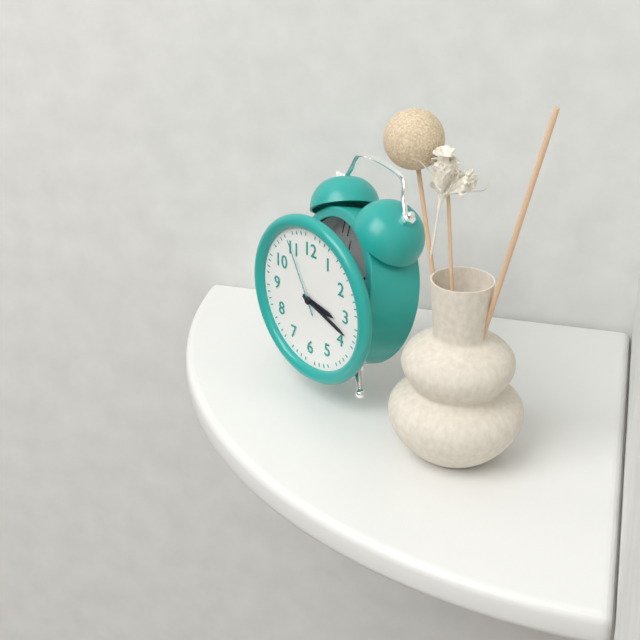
3,18,55
